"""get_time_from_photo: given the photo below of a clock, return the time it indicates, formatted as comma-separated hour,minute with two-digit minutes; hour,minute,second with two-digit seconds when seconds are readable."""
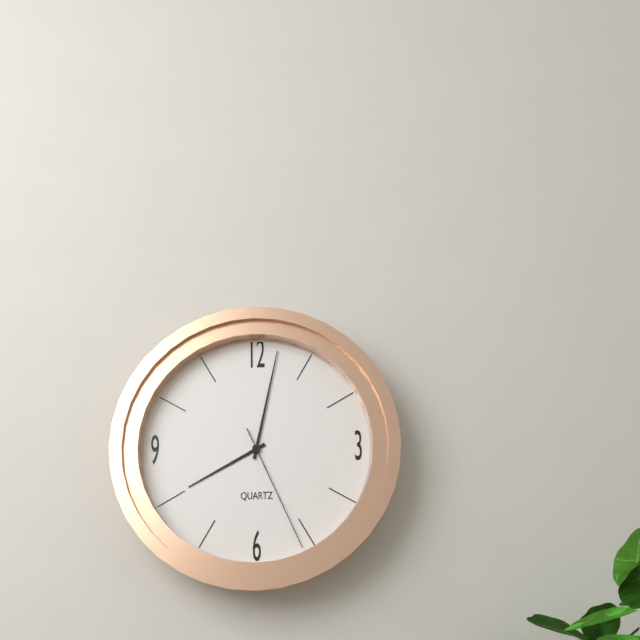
8,02,26
